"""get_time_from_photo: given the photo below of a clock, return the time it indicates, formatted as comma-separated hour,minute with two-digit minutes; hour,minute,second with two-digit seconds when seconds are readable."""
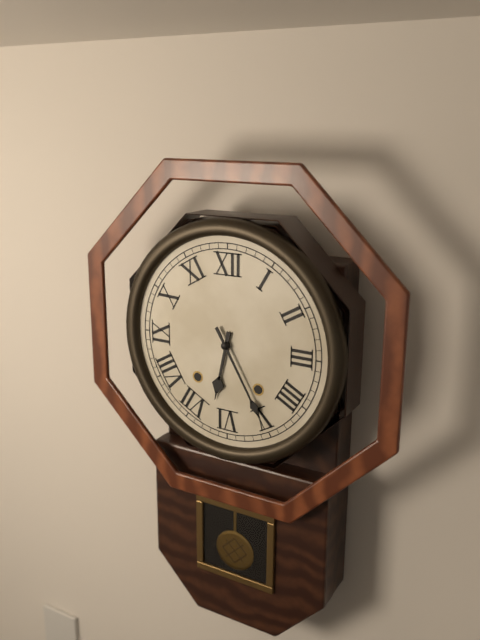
6,25
